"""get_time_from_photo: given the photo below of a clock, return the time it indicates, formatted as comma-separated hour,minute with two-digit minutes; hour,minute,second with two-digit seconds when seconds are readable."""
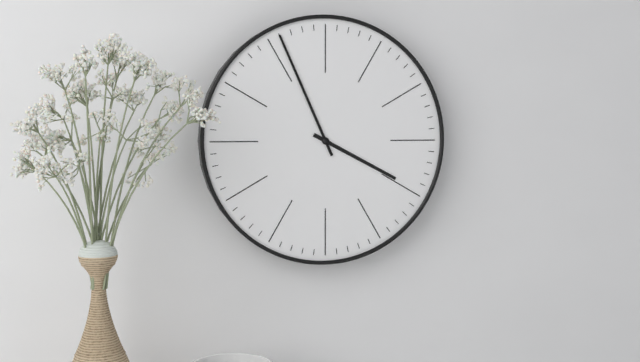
3,56
